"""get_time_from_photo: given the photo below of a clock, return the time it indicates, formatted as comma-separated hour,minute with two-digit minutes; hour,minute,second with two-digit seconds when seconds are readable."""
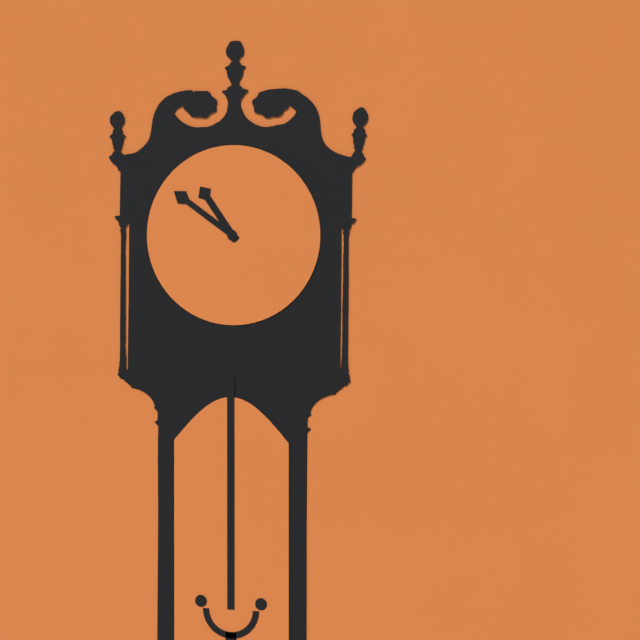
10,51
